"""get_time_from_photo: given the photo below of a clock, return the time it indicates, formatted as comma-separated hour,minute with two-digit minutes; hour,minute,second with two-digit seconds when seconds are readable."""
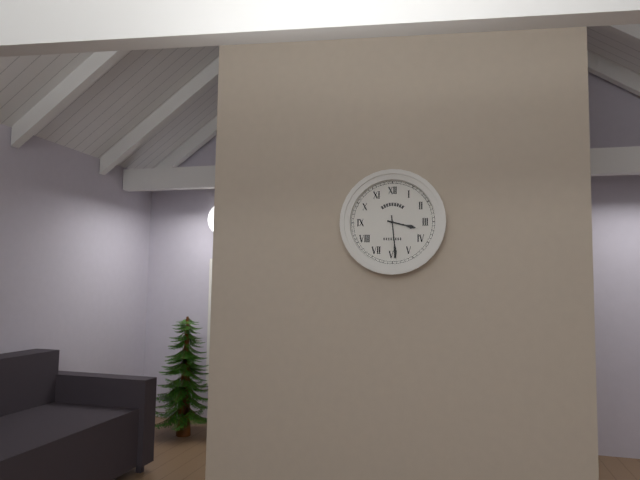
3,29
